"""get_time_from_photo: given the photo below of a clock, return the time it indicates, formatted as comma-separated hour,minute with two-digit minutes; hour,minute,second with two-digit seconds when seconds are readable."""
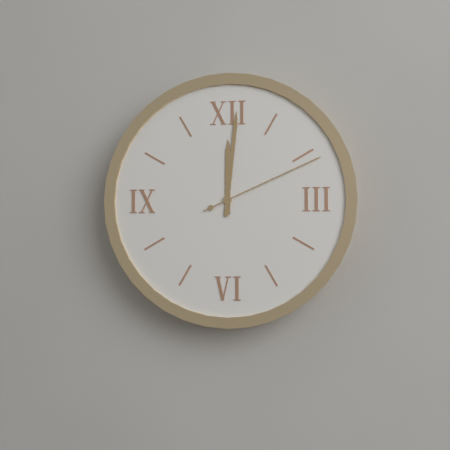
12,01,11
